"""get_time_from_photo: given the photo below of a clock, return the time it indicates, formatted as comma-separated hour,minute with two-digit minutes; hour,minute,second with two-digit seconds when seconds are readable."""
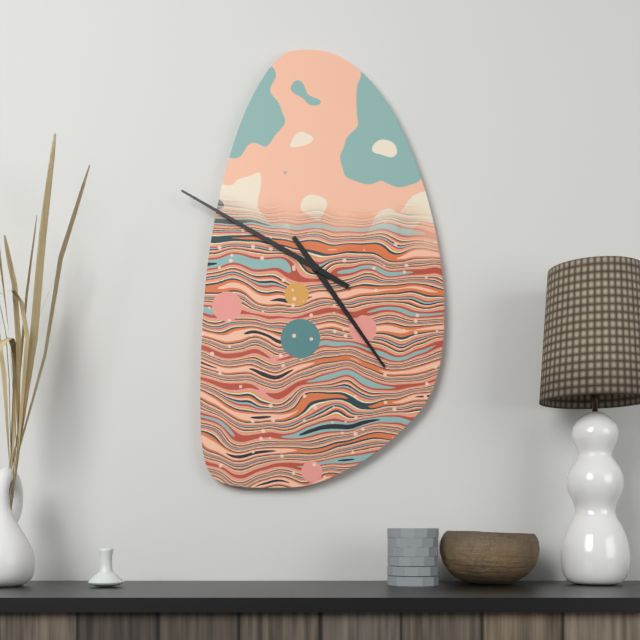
4,50
